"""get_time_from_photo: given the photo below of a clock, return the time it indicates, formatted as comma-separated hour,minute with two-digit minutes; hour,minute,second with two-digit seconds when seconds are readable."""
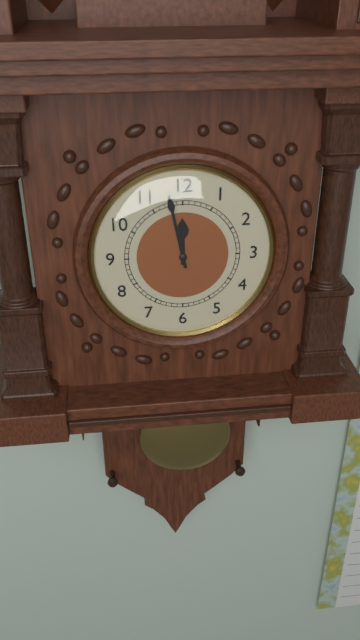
11,58
